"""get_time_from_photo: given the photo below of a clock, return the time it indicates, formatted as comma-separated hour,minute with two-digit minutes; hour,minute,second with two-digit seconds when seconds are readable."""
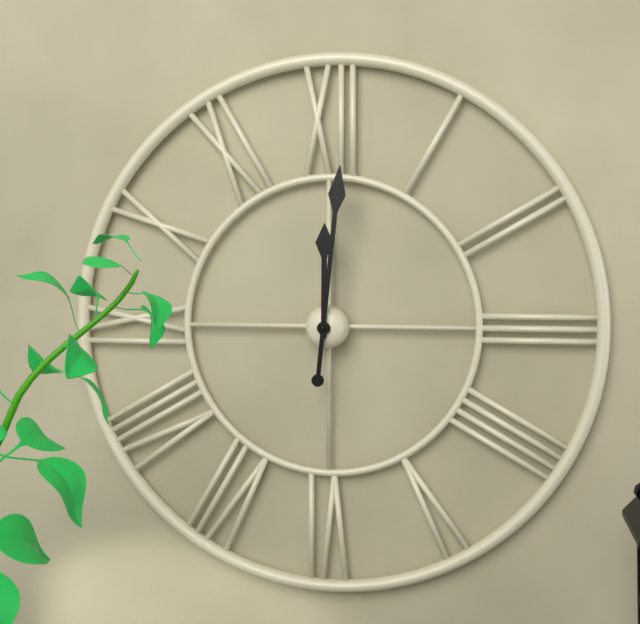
12,01
